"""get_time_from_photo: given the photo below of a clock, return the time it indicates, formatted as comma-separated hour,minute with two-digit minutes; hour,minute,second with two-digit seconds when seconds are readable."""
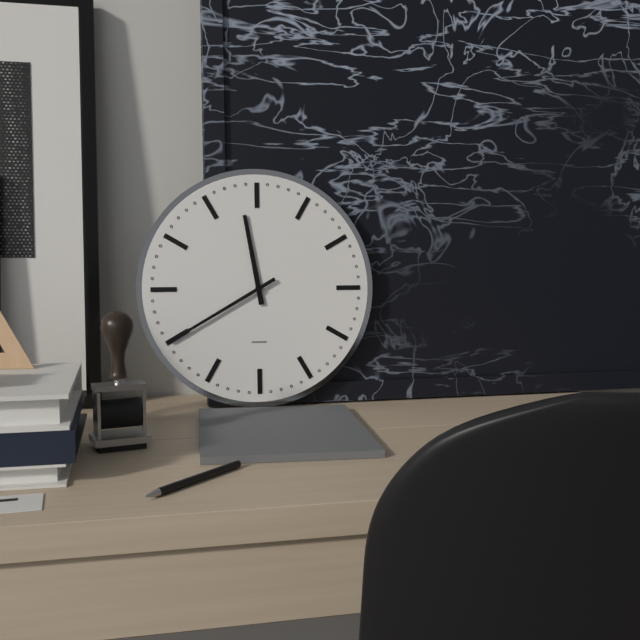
11,40
